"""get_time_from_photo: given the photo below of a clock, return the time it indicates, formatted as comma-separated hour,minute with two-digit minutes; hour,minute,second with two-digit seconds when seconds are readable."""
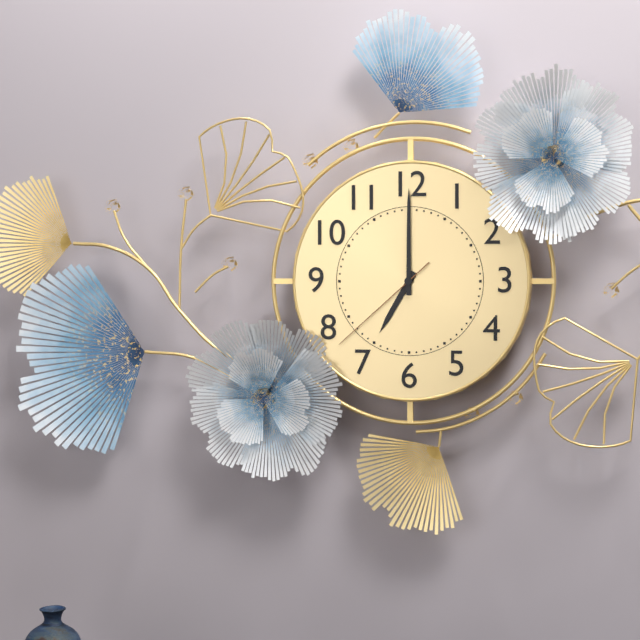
7,00,38
